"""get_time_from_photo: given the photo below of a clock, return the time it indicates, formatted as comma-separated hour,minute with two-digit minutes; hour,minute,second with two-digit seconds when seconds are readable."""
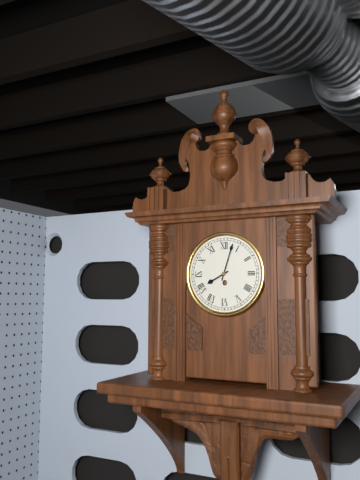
8,03
